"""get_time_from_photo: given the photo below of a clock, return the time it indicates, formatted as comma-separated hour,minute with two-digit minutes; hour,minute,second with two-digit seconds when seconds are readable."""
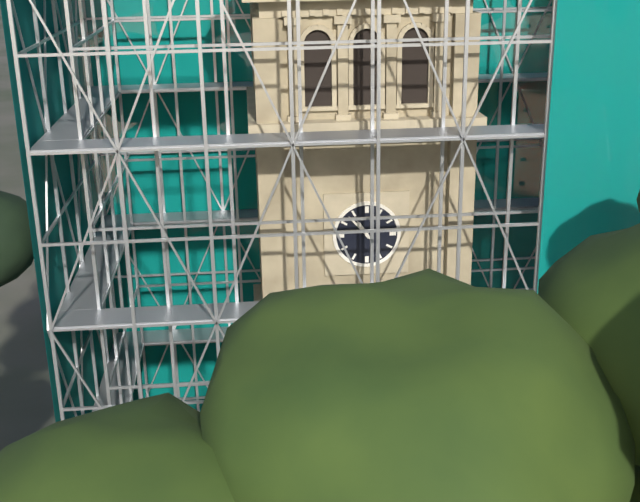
10,53
